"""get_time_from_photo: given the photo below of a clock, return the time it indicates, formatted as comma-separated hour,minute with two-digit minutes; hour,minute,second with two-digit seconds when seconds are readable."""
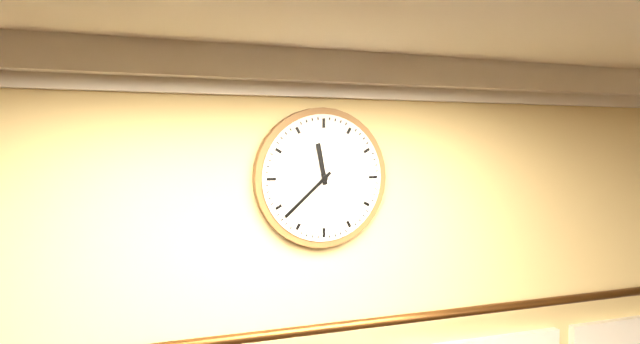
11,38
